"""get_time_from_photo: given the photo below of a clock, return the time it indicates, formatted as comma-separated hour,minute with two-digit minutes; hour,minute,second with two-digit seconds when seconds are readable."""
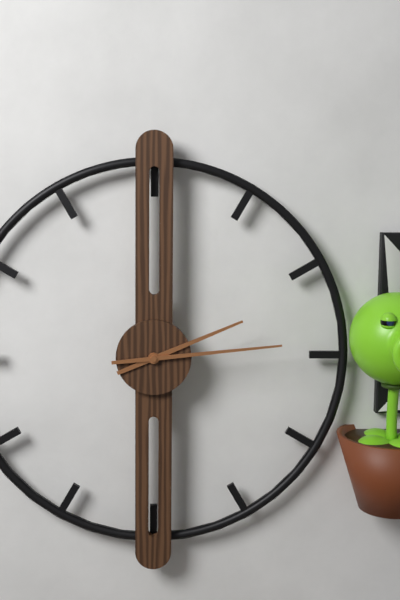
2,14
